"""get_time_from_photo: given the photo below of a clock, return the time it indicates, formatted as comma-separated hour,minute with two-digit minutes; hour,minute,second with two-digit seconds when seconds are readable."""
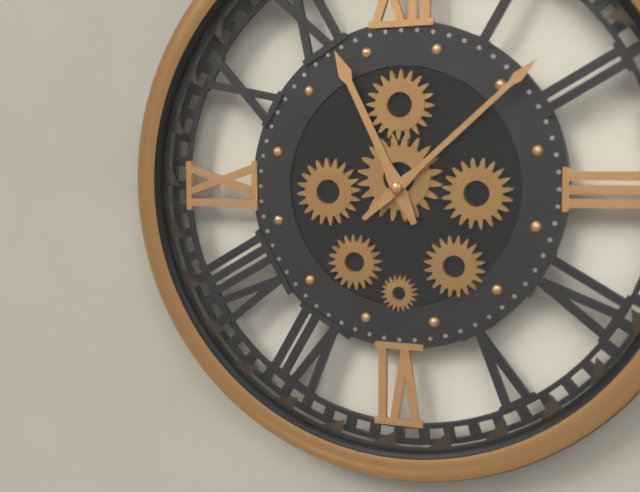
11,08
